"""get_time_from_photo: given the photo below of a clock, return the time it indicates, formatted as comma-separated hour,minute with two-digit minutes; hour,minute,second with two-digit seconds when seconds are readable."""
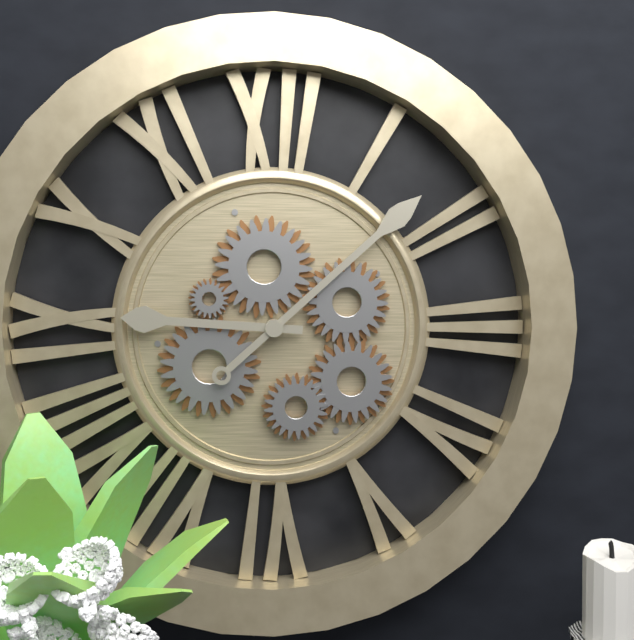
9,08
